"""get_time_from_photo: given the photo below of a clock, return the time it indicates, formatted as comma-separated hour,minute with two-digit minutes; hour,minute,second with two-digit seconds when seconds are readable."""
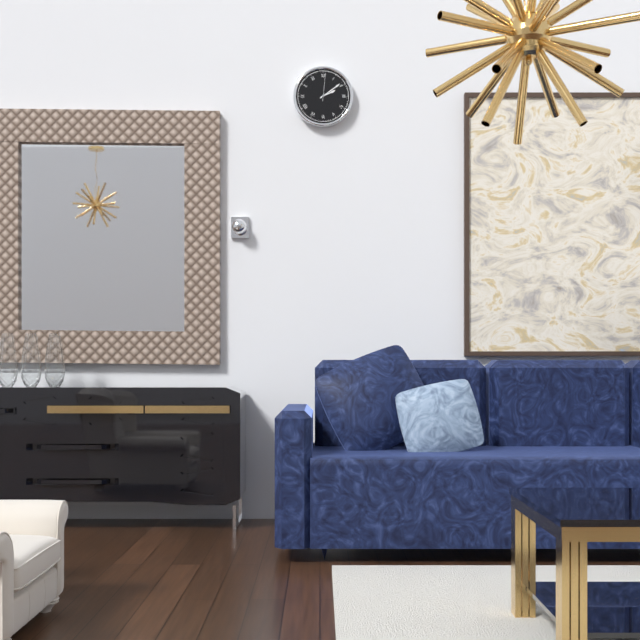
2,09
